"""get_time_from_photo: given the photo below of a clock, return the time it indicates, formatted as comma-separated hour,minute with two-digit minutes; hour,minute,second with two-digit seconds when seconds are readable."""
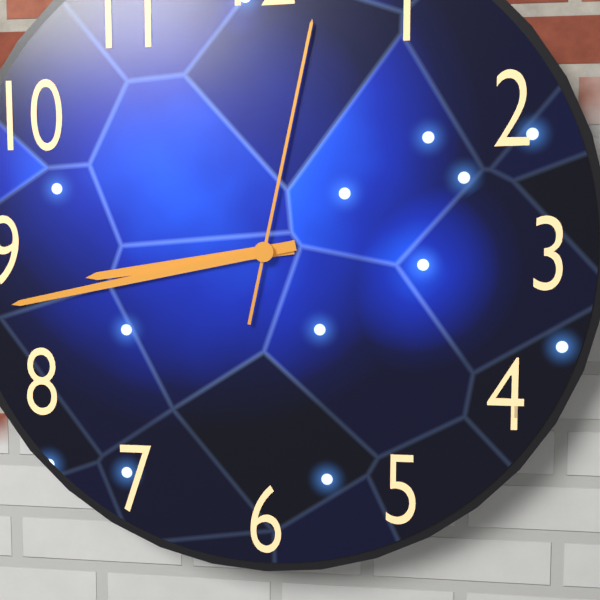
8,43,02
